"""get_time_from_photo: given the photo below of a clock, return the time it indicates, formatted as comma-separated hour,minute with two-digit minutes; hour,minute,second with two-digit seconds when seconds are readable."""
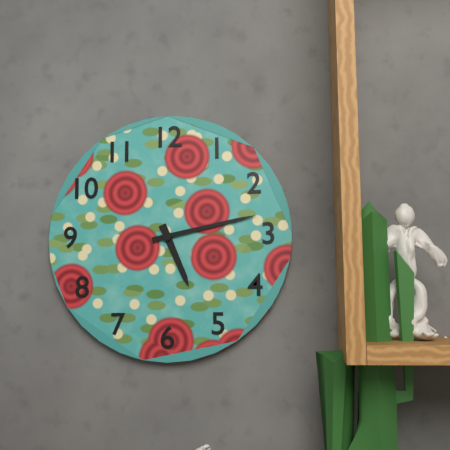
5,13
